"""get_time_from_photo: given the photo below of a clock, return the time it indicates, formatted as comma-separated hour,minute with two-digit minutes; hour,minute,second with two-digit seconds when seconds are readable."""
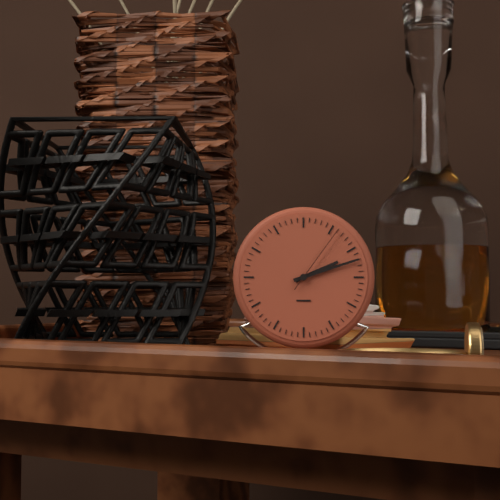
2,12,06
